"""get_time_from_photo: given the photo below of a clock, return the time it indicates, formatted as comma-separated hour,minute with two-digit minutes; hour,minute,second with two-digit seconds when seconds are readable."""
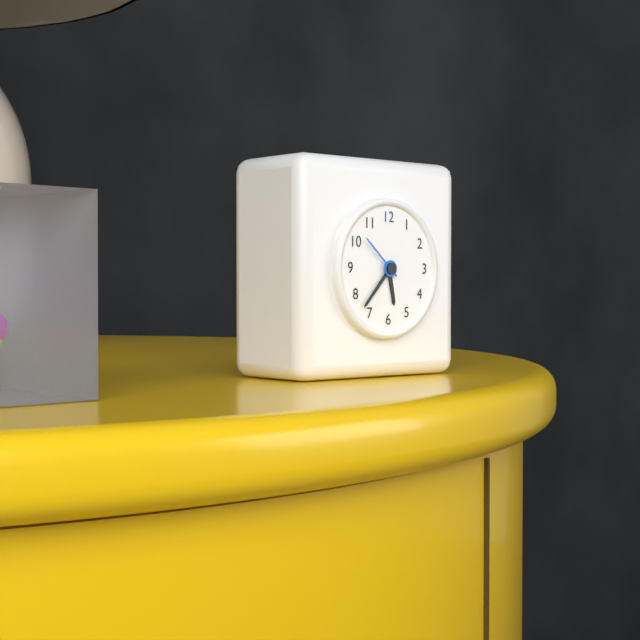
5,37,52
